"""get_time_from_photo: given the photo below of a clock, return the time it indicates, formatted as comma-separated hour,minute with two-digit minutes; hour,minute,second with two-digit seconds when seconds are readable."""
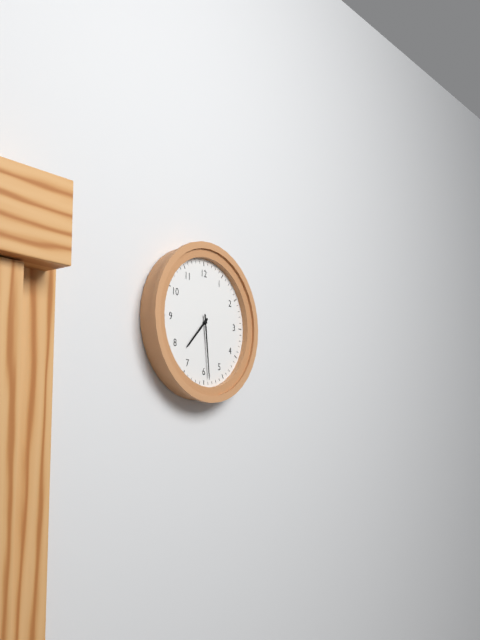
7,29
